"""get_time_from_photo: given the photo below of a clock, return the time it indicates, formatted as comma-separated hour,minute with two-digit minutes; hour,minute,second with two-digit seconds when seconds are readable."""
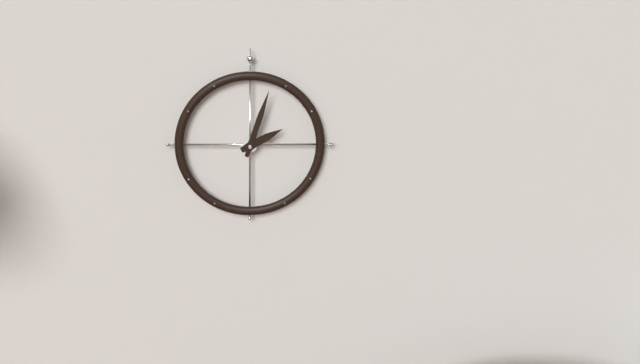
2,03
